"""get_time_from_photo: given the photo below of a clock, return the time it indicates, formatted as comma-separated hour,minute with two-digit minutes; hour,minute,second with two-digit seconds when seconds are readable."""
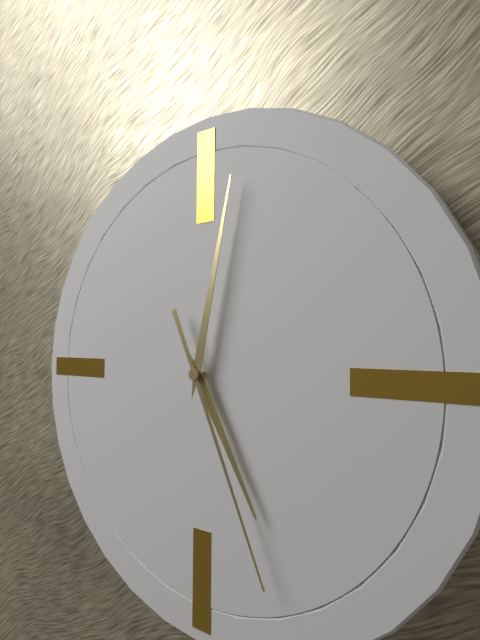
5,02,26
